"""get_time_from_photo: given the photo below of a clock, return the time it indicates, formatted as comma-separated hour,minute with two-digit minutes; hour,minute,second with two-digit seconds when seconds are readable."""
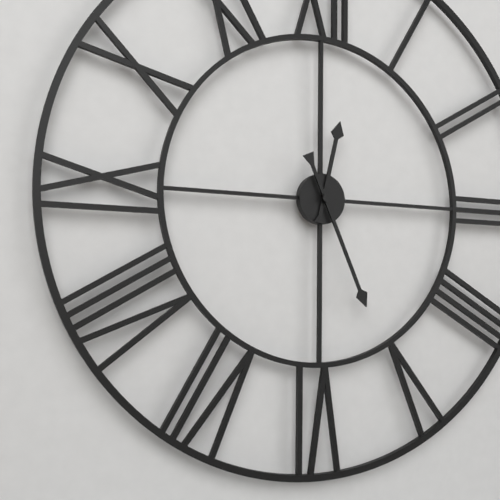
12,26
